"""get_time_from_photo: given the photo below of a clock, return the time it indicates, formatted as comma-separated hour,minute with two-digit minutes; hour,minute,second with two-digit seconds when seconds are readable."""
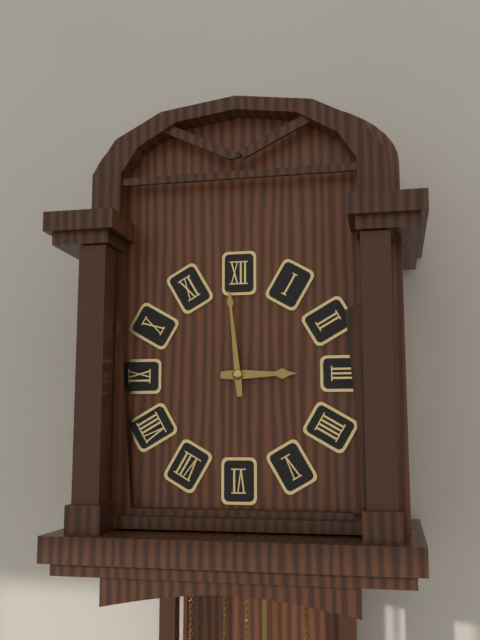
2,59
